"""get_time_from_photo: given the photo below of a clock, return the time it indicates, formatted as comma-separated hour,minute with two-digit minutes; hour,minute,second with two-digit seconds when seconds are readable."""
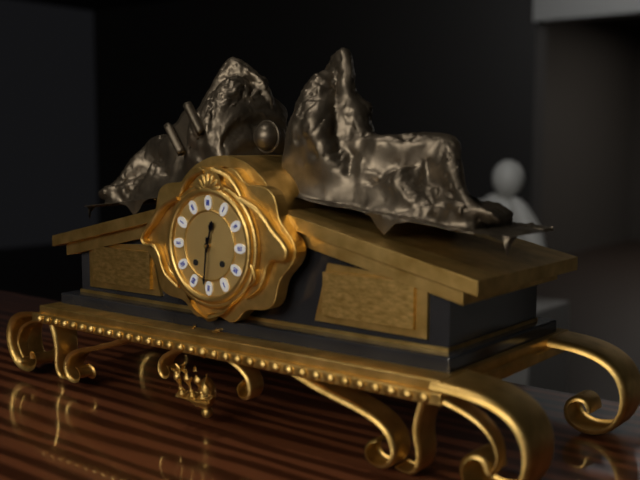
12,31
